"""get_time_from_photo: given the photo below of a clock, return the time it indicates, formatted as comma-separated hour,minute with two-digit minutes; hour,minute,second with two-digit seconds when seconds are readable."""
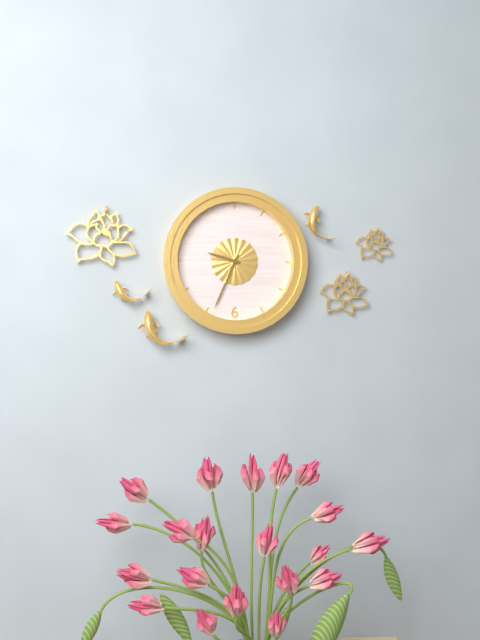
9,34
